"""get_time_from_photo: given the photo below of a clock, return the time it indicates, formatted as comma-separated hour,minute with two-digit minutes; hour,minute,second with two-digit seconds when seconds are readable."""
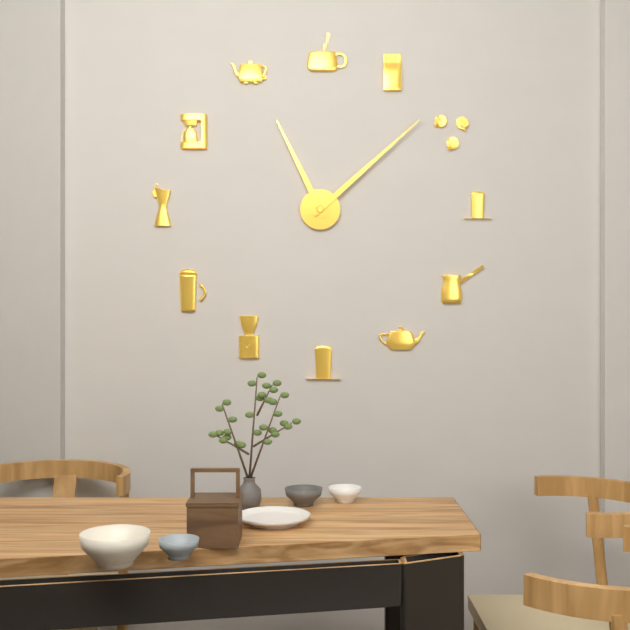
11,08
